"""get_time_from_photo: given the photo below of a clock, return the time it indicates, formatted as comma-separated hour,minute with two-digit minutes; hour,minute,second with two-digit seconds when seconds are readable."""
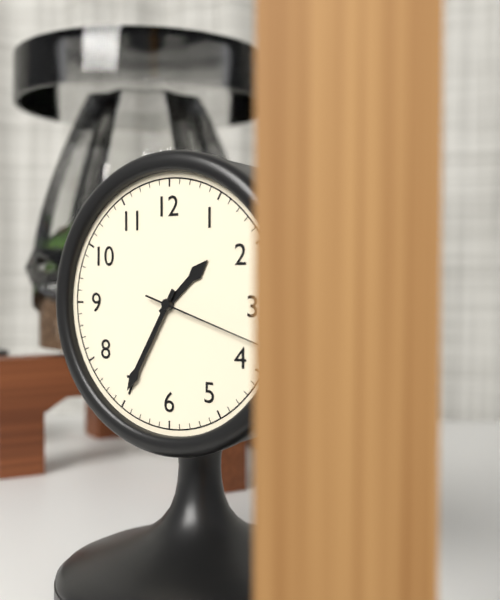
1,35,18
